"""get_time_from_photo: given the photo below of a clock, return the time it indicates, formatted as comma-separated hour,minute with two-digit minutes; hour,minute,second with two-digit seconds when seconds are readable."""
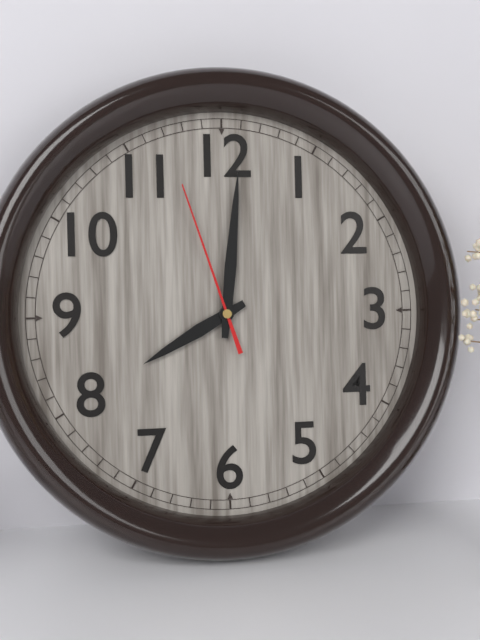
8,01,57
